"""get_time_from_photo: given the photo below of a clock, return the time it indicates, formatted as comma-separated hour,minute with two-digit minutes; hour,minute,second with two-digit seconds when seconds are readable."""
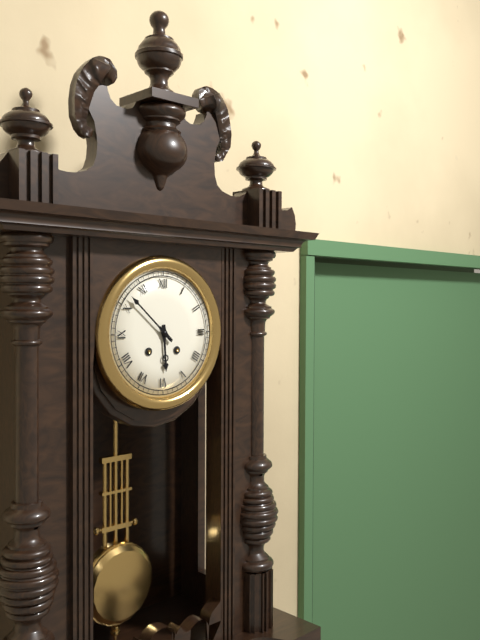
5,52
